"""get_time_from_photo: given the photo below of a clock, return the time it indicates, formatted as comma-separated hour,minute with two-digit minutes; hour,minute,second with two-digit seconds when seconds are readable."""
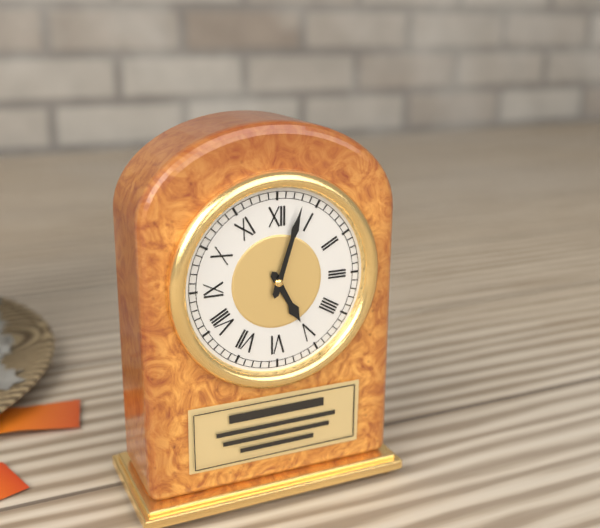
5,03
